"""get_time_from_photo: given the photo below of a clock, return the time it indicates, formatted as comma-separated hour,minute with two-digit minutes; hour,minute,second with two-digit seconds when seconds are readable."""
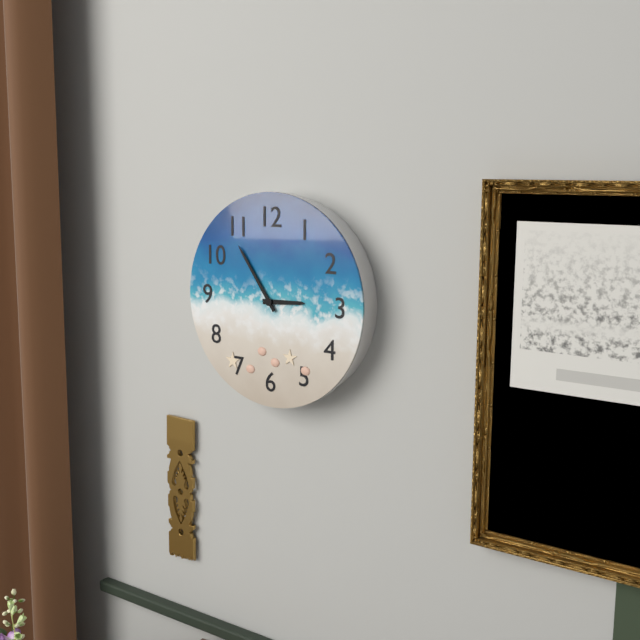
2,54
